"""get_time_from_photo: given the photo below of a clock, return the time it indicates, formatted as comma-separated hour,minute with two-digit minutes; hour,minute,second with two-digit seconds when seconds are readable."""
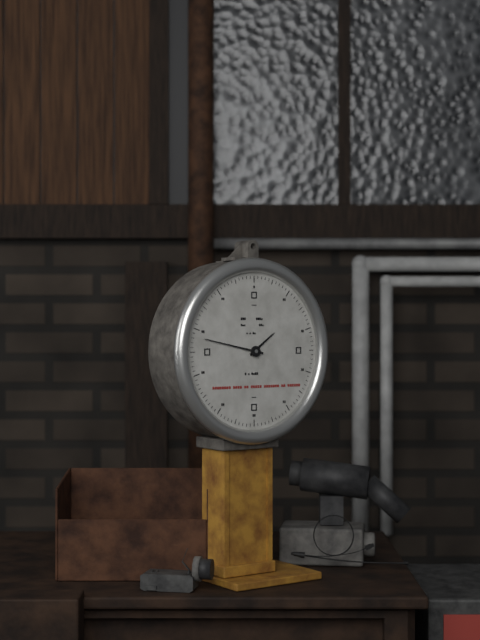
1,47
